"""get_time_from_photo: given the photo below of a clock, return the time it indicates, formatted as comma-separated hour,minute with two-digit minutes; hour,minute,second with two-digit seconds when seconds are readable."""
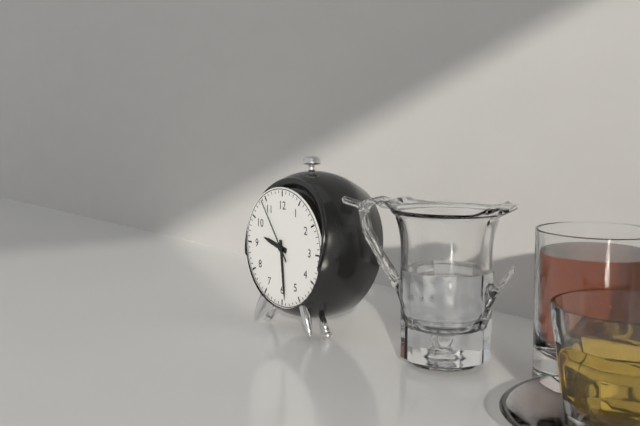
9,29,54
